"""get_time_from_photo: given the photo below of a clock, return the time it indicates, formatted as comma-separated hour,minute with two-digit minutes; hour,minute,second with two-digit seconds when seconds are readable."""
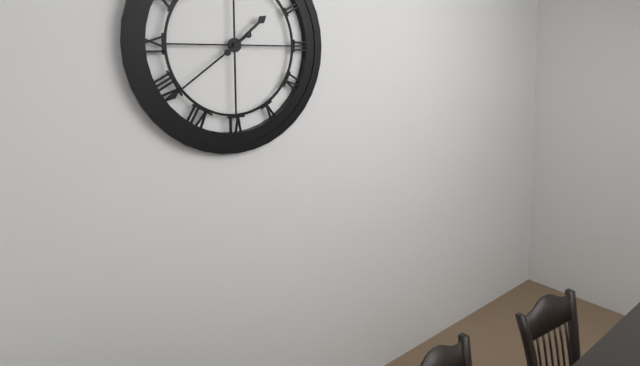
1,39
